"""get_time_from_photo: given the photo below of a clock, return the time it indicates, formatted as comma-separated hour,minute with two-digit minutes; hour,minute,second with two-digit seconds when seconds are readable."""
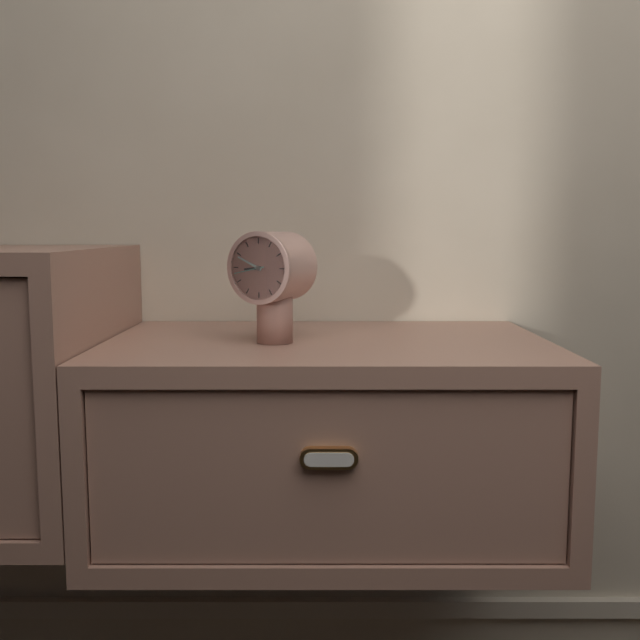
8,49
